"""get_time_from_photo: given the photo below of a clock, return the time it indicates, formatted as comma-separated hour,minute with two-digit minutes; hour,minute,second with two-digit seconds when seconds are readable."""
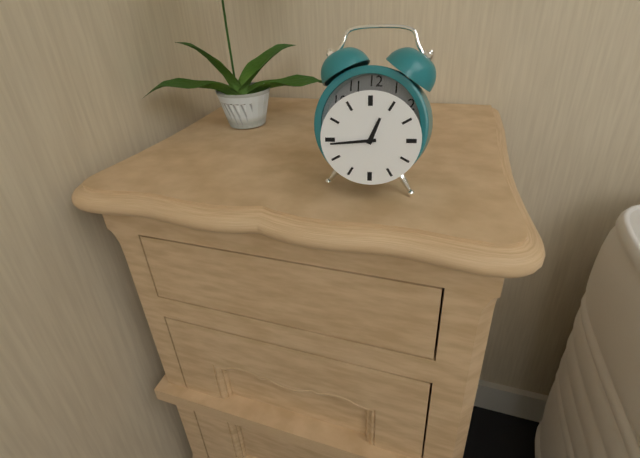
12,44
